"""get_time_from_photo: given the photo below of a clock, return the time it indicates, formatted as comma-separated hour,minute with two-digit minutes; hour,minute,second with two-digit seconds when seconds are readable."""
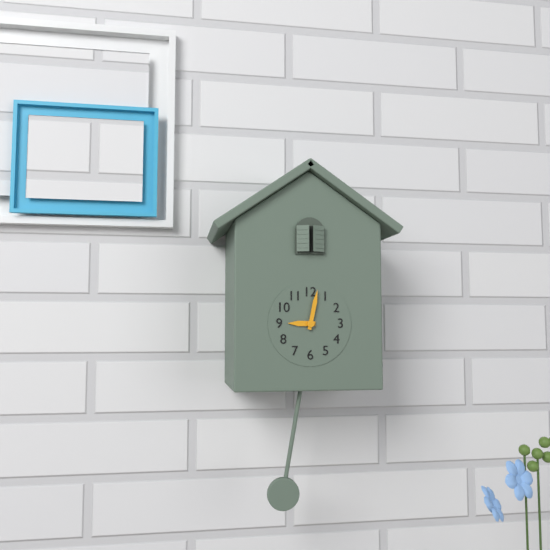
9,02
